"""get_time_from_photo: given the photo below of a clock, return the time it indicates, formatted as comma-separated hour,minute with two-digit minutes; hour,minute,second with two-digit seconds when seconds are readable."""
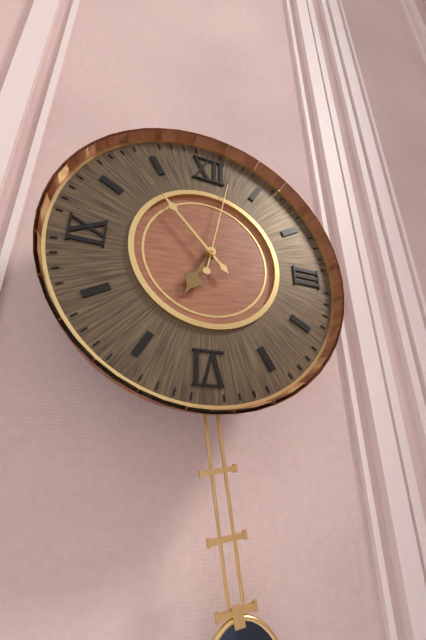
6,53,02
